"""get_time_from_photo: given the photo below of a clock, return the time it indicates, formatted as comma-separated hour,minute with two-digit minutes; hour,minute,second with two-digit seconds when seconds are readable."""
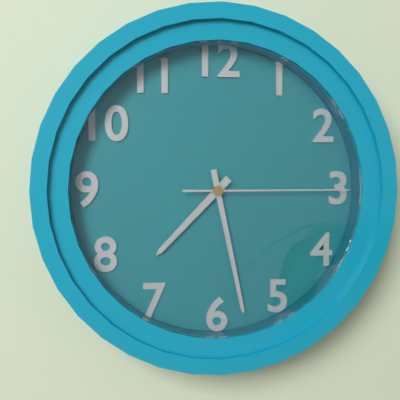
7,28,15
